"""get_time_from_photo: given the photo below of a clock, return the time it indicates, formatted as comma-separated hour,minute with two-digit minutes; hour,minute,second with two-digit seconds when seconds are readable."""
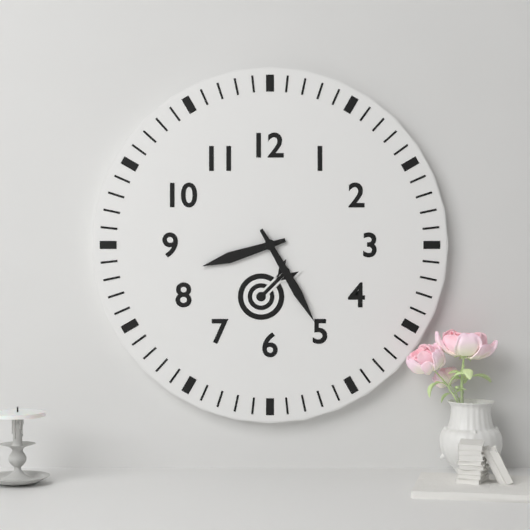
8,25
